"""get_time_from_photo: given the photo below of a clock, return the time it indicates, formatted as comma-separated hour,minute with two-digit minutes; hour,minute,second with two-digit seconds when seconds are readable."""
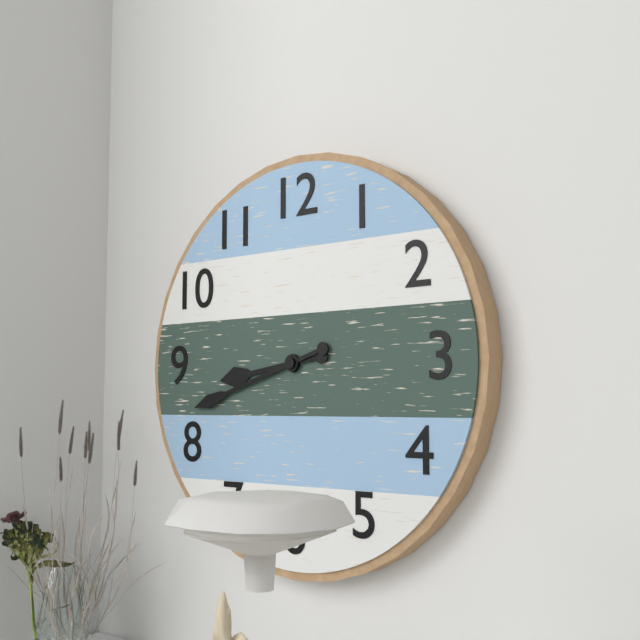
8,42
